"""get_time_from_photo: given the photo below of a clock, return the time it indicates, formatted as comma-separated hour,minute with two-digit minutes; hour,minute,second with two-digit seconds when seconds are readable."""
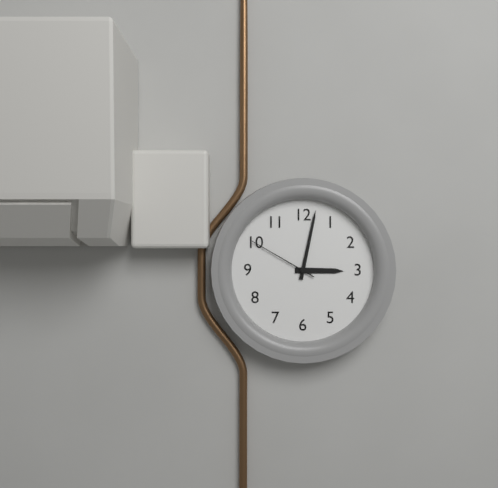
3,02,50
